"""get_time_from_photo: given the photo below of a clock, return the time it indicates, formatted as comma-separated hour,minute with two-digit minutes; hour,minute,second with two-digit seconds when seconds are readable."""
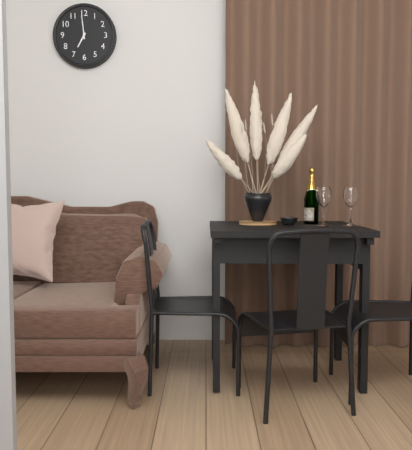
6,59
